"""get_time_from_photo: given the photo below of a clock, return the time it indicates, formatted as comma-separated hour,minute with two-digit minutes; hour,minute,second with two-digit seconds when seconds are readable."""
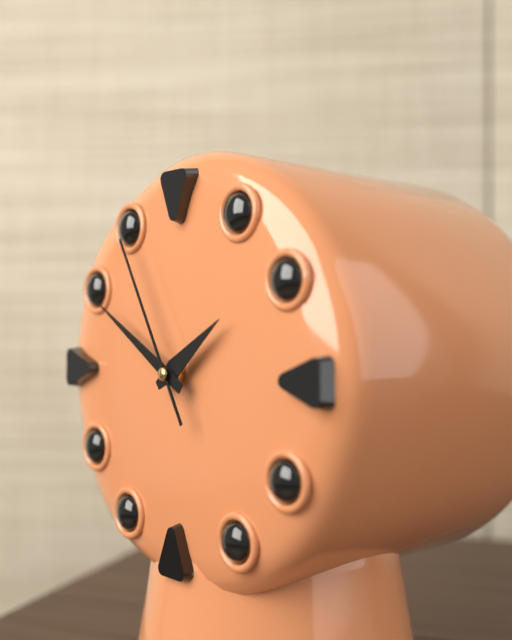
1,50,55
